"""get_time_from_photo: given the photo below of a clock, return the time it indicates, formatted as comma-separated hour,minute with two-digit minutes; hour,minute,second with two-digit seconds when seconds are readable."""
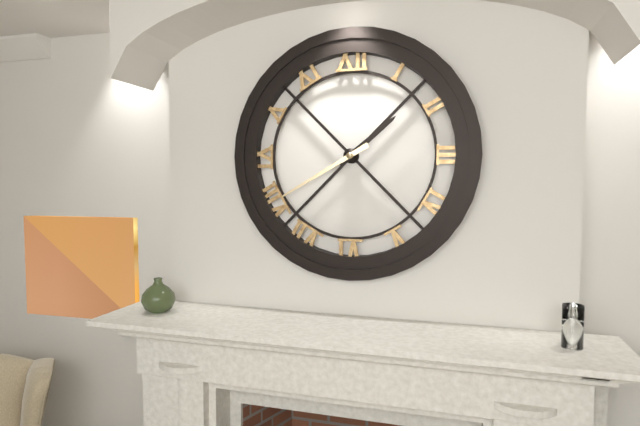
1,40
